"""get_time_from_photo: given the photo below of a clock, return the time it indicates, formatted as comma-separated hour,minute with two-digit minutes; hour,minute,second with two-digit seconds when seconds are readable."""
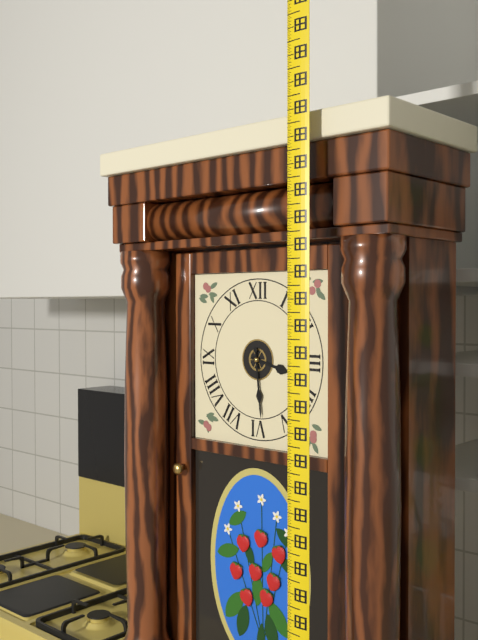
3,29
